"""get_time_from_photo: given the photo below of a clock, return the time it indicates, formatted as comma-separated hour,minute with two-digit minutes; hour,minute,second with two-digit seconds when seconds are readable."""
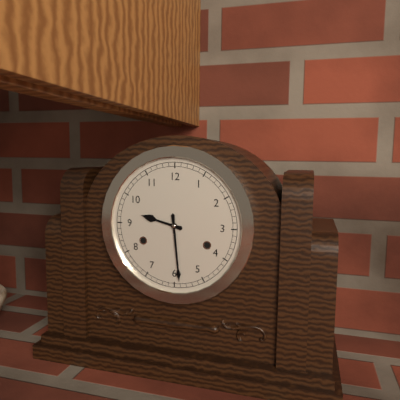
9,29
